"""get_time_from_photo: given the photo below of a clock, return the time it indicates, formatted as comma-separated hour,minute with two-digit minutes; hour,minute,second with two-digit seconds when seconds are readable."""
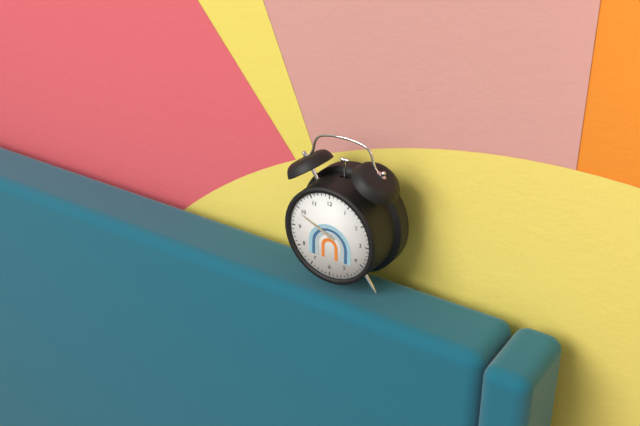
9,49
